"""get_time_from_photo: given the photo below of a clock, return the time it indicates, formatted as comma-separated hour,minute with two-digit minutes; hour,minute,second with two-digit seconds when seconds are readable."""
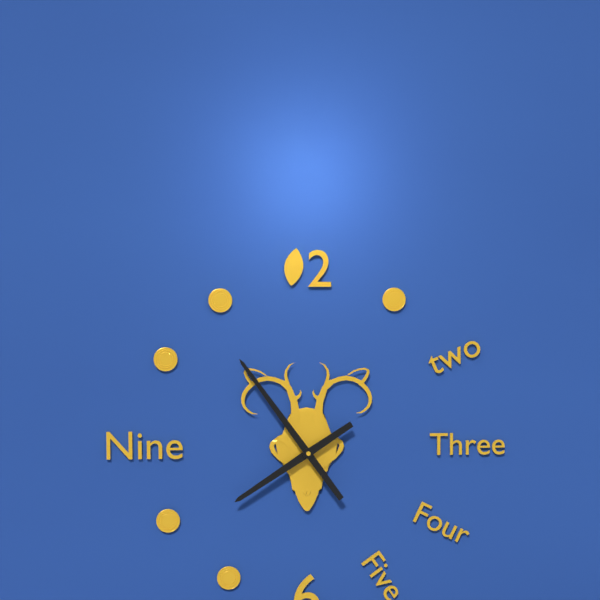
7,54
